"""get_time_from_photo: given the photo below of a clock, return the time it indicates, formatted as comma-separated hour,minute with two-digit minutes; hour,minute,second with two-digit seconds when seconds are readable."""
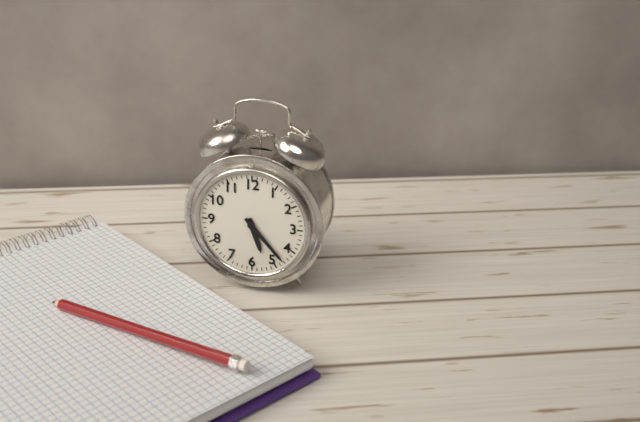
5,23
